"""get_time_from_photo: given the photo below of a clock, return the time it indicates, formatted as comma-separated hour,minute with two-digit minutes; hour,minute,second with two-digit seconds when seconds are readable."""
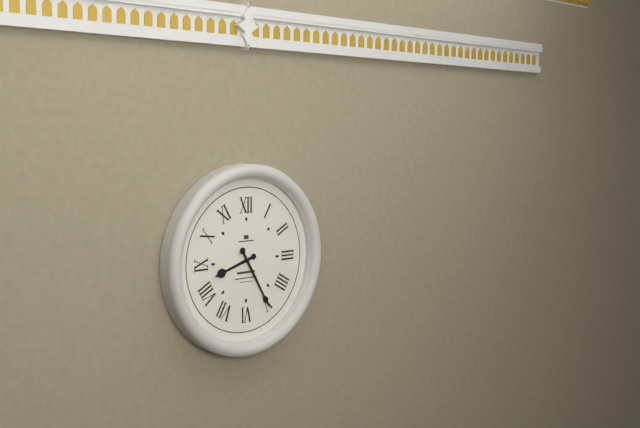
8,25
